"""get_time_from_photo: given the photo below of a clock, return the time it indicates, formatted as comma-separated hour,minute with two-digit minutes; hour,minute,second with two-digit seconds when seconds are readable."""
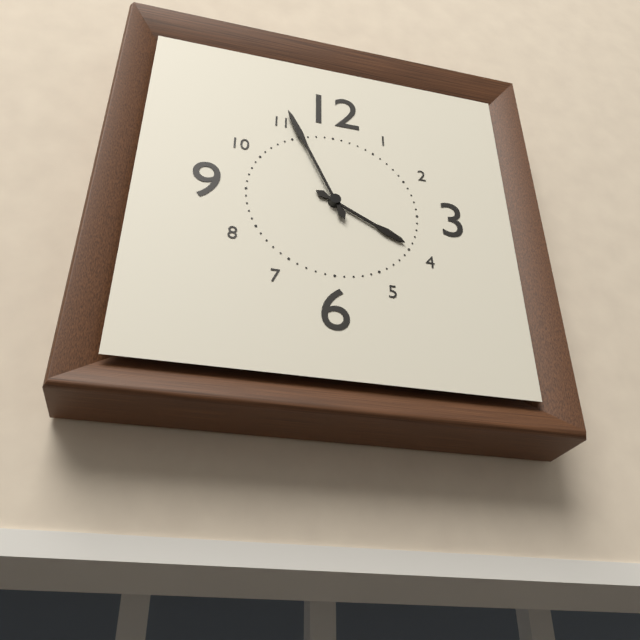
3,56
